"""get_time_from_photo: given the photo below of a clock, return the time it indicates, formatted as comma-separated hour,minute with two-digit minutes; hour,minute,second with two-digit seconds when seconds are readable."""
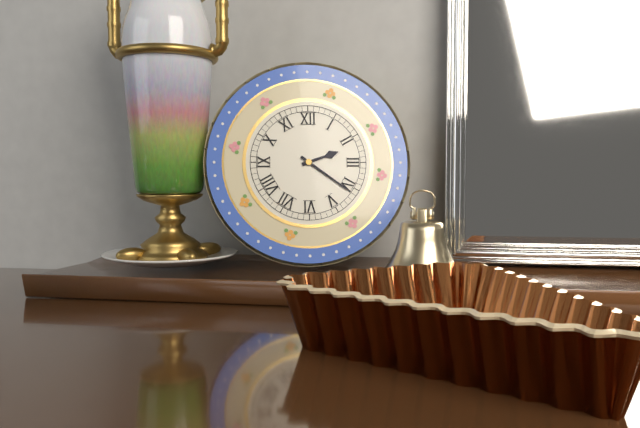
2,21
